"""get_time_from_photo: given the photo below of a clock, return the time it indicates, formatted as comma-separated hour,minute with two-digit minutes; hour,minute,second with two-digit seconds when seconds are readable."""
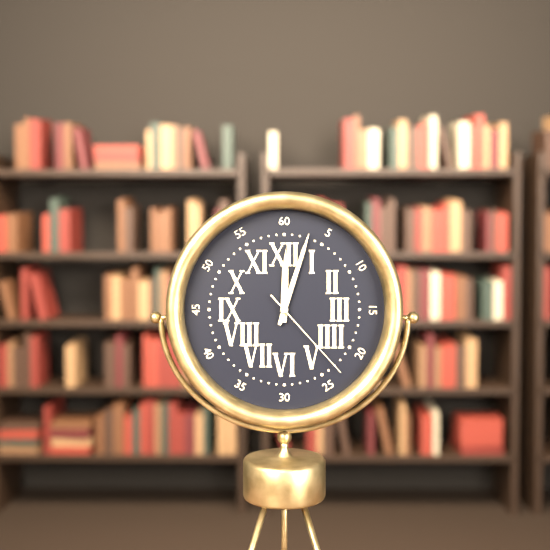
12,03,23
